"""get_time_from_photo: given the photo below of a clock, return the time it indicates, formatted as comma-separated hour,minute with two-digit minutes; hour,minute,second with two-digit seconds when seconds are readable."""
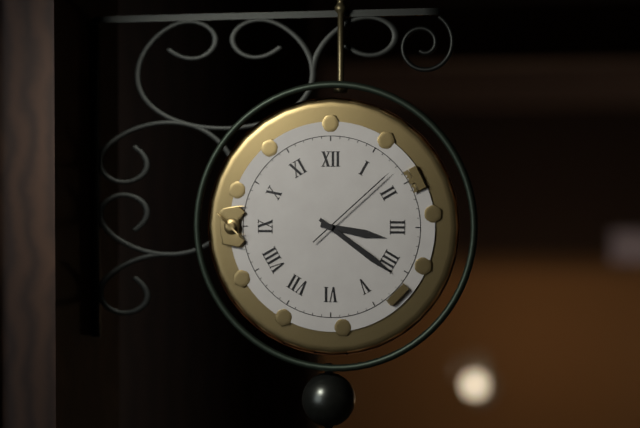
3,21,08
